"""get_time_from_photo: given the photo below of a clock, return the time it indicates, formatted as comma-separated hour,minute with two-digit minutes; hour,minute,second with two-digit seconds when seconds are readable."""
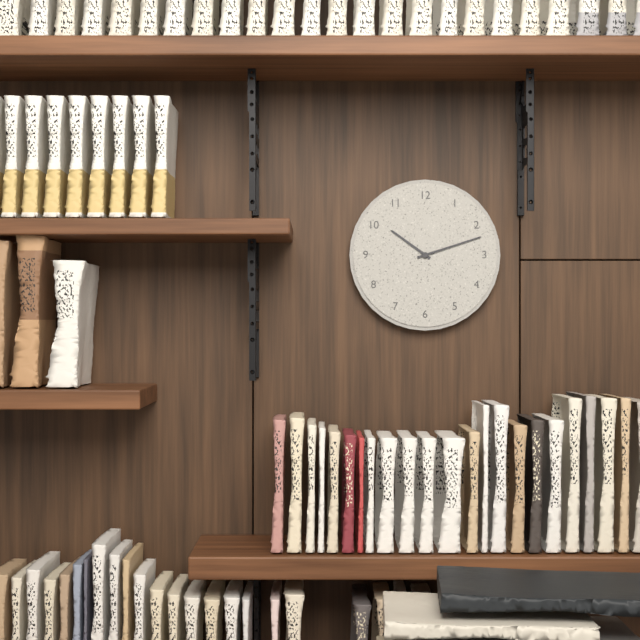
10,12
